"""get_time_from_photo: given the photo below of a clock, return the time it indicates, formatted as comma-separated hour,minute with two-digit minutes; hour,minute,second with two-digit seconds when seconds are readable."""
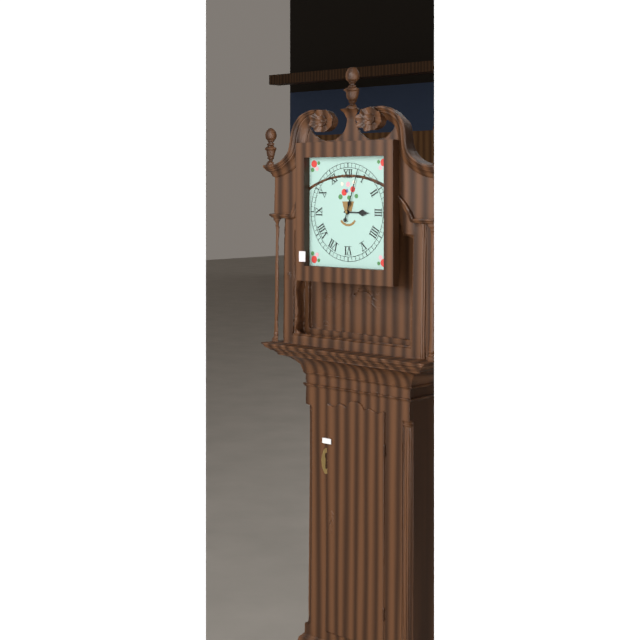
3,03
